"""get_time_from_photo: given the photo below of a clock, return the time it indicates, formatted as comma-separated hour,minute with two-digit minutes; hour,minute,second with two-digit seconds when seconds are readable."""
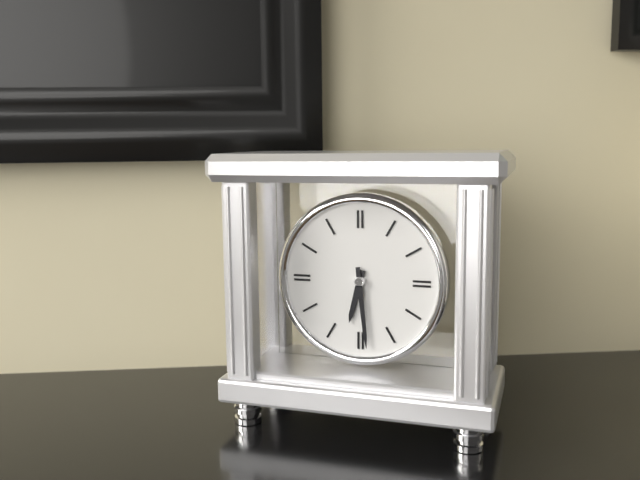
6,29
